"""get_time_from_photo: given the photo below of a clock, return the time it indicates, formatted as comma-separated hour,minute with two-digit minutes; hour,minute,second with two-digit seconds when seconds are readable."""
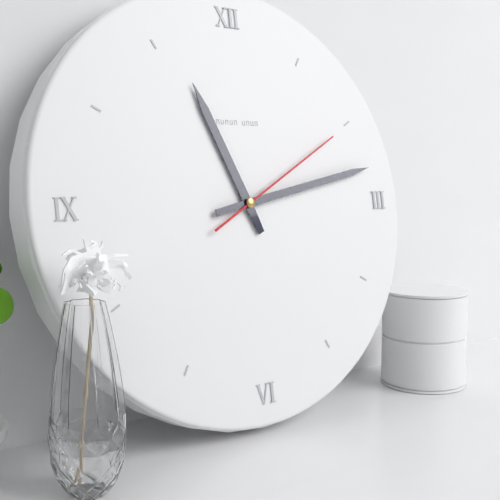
11,13,10
